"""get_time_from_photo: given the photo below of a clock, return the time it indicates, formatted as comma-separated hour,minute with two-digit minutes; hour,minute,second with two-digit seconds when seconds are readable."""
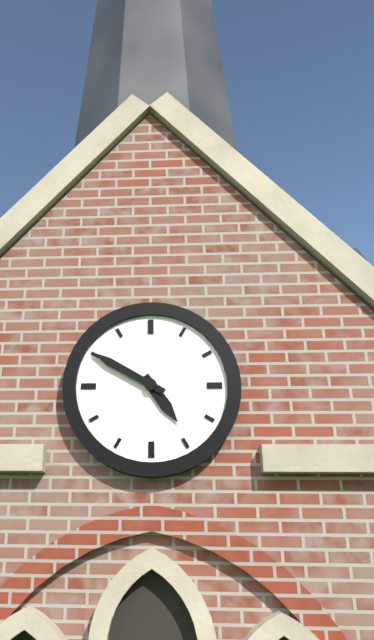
4,50
